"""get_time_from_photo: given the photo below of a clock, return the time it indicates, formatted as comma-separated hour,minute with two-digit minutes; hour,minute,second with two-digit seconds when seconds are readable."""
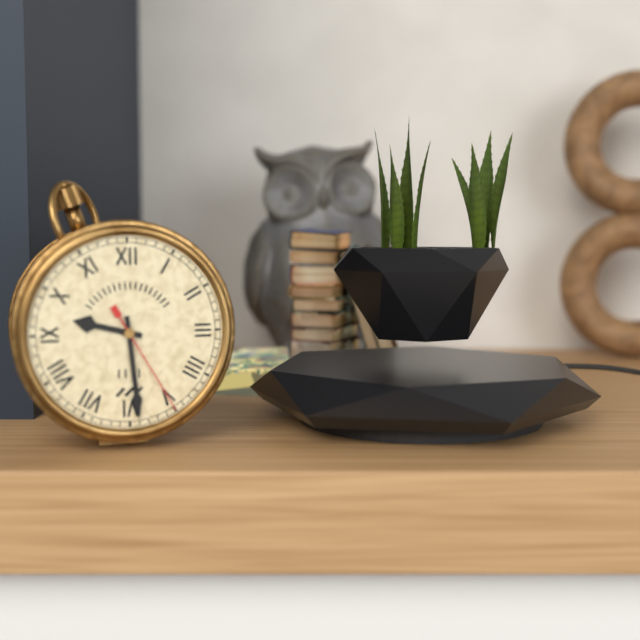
9,29,25
